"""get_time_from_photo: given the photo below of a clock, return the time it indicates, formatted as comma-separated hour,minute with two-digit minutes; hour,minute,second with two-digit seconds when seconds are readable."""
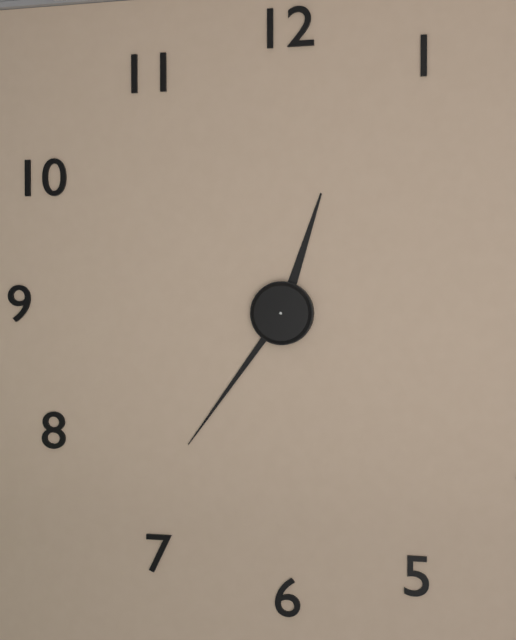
12,36
